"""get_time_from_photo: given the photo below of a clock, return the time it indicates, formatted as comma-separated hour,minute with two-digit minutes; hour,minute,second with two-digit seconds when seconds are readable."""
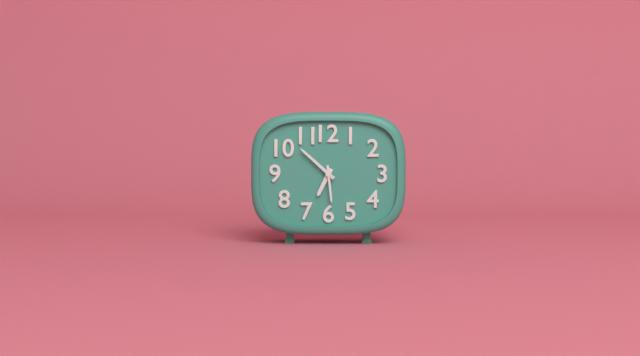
6,52
